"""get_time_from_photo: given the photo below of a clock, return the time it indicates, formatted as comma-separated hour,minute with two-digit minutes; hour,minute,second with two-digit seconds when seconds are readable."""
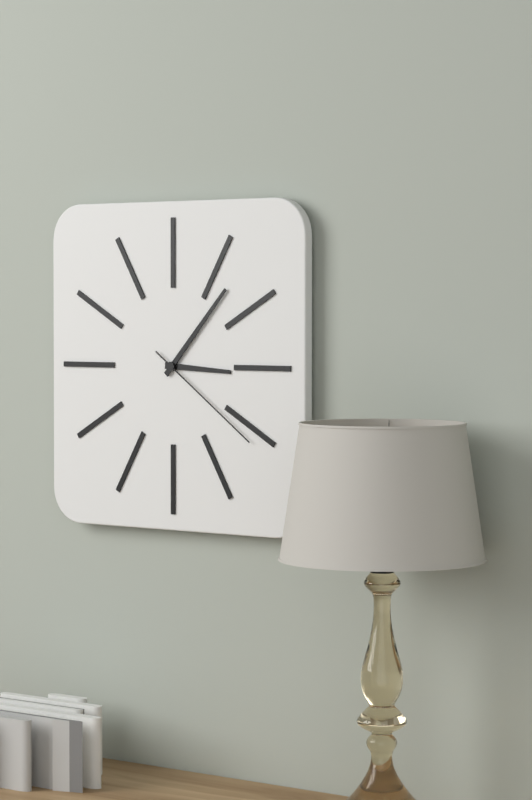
3,07,21
